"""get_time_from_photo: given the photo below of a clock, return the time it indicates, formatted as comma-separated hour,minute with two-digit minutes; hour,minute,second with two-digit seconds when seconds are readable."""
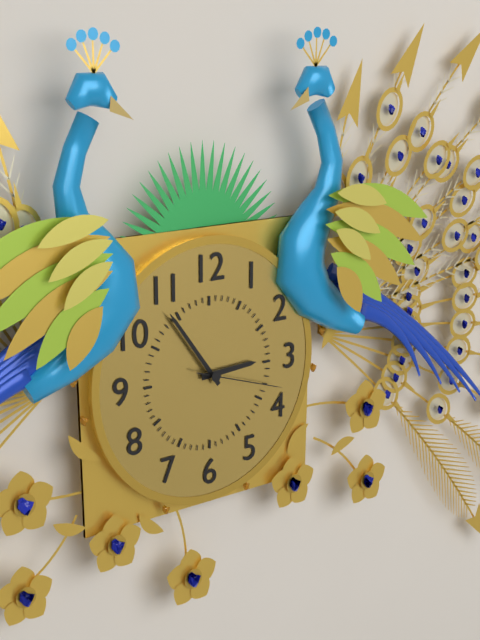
2,54,18
